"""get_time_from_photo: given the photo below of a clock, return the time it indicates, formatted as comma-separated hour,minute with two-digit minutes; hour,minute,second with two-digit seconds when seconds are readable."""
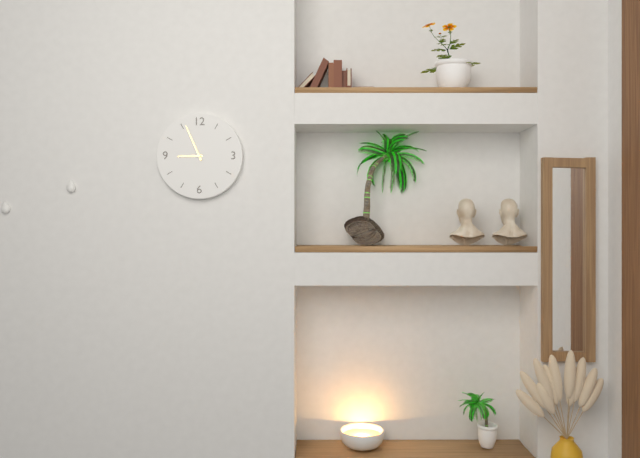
8,56
